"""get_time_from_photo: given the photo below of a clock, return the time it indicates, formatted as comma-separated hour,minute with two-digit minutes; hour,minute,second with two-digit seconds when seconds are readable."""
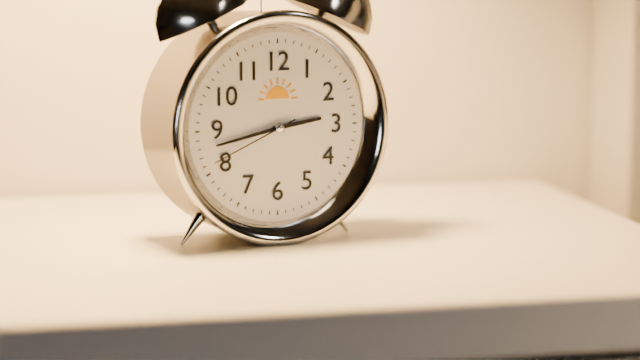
2,43,41
